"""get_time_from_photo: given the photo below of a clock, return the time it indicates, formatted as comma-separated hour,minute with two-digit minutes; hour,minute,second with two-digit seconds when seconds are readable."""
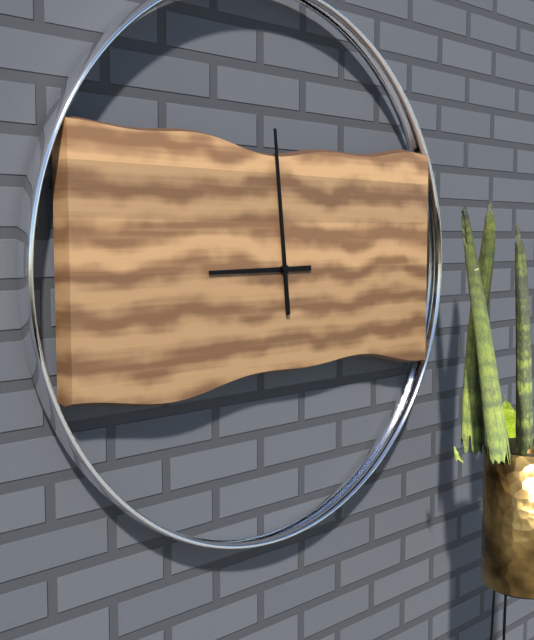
8,59
